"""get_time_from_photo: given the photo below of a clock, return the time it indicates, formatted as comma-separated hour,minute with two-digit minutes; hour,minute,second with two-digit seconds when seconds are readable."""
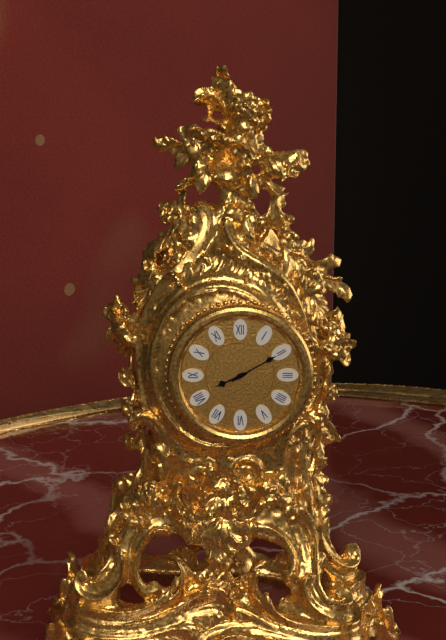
8,10
